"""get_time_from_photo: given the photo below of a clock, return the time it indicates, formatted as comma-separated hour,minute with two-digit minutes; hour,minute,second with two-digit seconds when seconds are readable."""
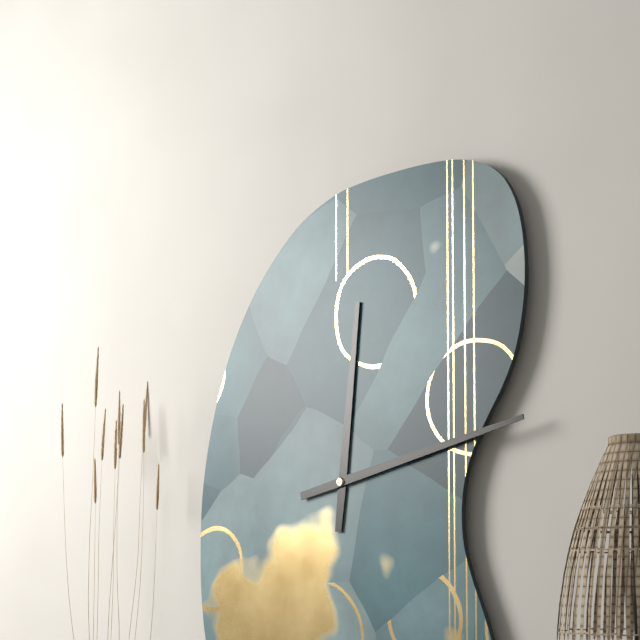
12,13
